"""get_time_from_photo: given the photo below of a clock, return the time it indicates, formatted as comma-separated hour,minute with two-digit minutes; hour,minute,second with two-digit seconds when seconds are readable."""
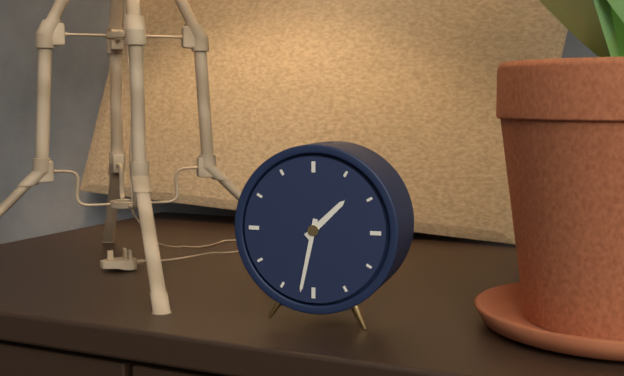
1,32
